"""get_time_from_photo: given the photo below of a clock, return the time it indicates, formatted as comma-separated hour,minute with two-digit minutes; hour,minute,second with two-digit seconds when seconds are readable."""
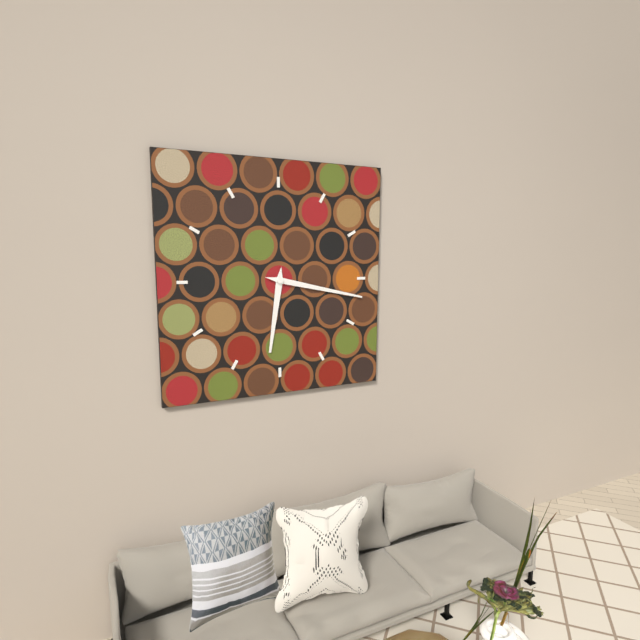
6,17
